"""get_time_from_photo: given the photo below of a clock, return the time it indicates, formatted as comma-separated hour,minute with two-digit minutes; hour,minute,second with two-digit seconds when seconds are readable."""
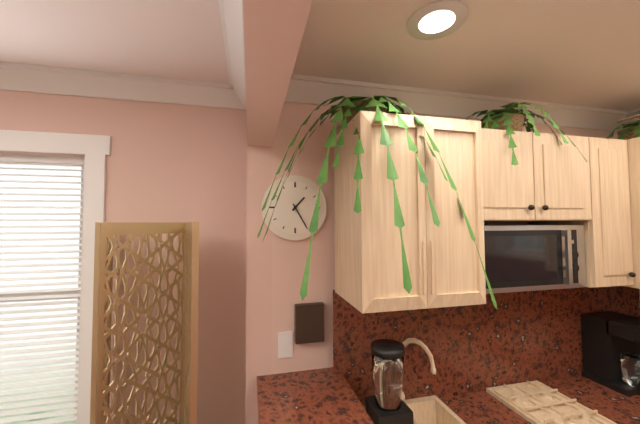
1,25
